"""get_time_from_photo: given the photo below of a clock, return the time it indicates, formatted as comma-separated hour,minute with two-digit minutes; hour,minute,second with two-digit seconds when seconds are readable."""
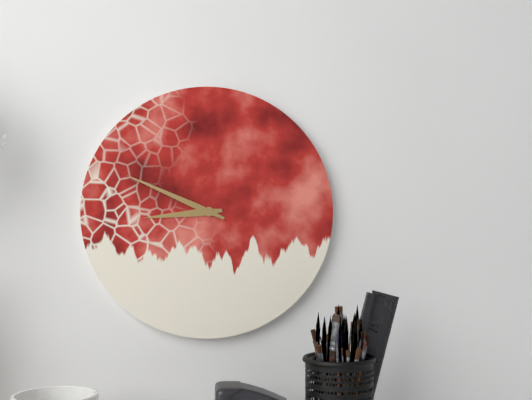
8,49
